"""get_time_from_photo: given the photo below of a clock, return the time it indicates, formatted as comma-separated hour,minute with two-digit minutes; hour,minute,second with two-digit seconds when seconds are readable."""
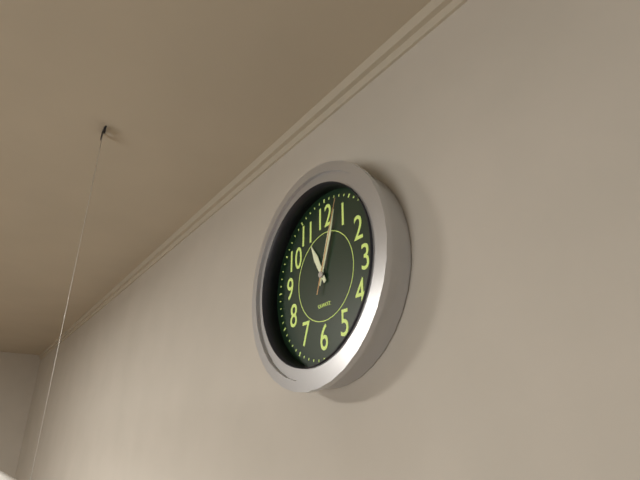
11,03,03
